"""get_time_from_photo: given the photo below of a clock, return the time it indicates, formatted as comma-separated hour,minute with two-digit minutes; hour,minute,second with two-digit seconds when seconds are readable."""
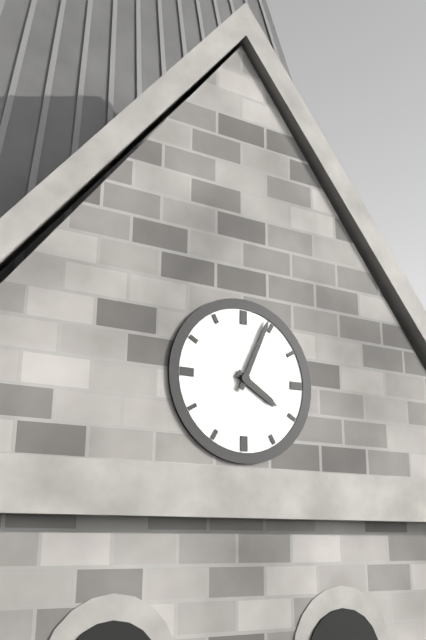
4,04
